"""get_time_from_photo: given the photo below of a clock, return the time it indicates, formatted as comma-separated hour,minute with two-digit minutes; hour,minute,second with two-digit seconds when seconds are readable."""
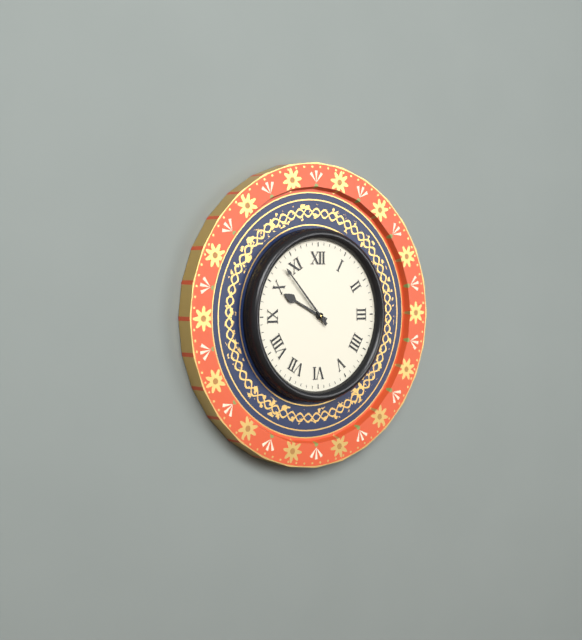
9,53
